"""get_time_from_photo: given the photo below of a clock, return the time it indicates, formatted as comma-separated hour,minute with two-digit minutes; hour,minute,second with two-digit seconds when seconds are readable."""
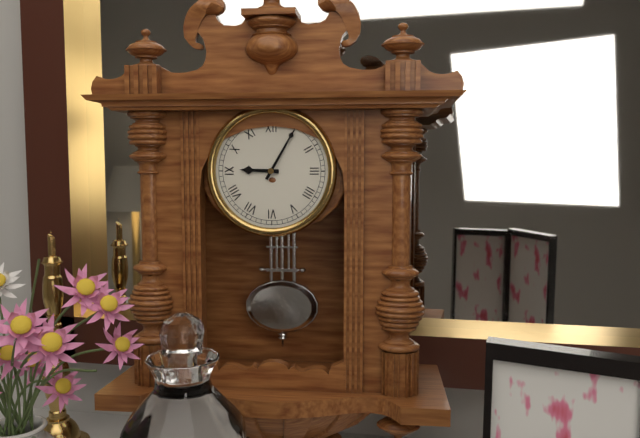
9,05
